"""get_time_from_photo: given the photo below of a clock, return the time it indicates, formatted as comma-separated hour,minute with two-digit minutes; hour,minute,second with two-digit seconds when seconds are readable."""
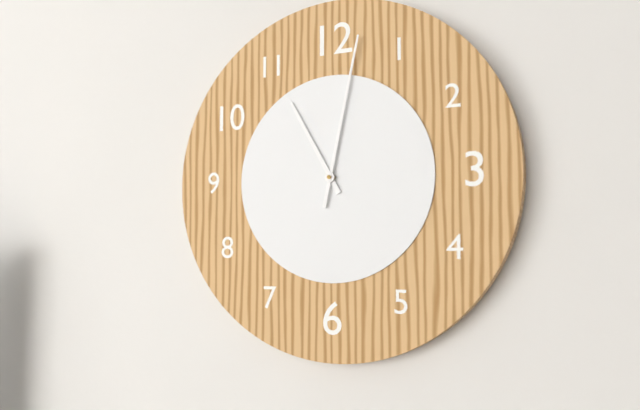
11,02
